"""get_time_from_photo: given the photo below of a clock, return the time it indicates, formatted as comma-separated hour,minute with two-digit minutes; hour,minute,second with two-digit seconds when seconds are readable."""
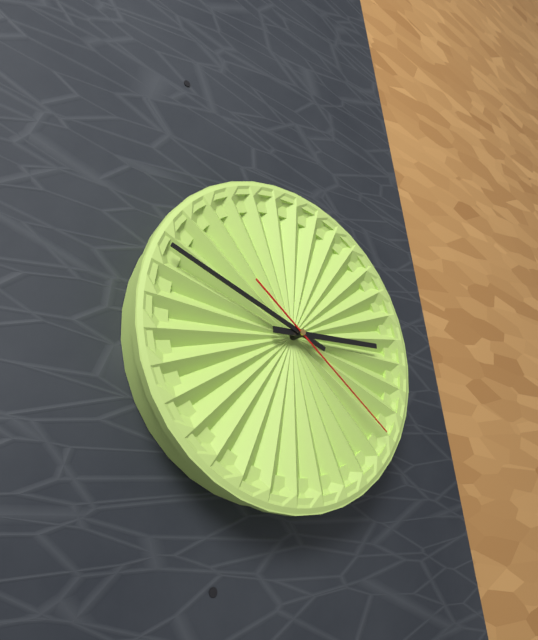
2,48,21
